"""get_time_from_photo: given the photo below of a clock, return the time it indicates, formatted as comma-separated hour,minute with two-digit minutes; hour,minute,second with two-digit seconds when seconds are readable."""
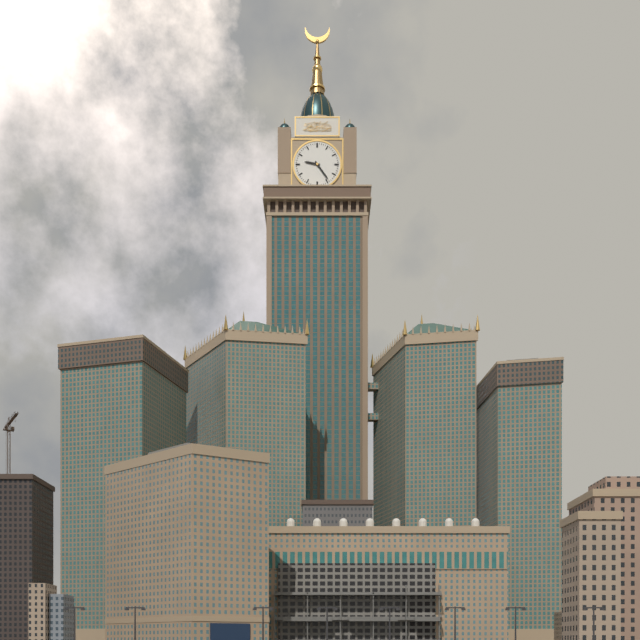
9,24
